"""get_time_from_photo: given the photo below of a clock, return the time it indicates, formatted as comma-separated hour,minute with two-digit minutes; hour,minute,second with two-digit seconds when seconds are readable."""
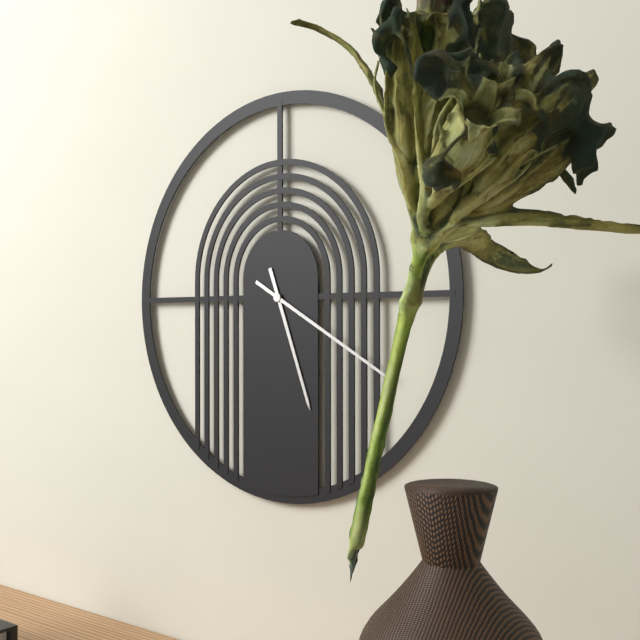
5,20
